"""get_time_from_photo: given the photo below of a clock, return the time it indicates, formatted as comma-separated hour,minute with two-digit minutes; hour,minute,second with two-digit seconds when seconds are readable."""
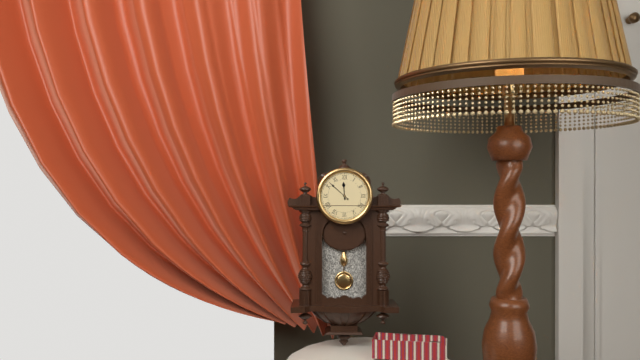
11,52
